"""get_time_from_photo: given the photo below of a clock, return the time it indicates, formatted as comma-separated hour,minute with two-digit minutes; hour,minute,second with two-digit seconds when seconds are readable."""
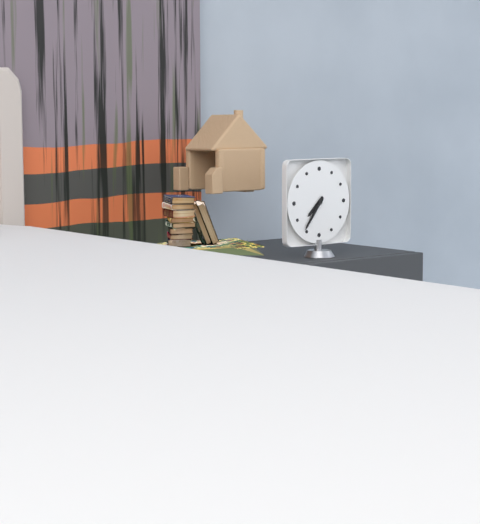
7,36
